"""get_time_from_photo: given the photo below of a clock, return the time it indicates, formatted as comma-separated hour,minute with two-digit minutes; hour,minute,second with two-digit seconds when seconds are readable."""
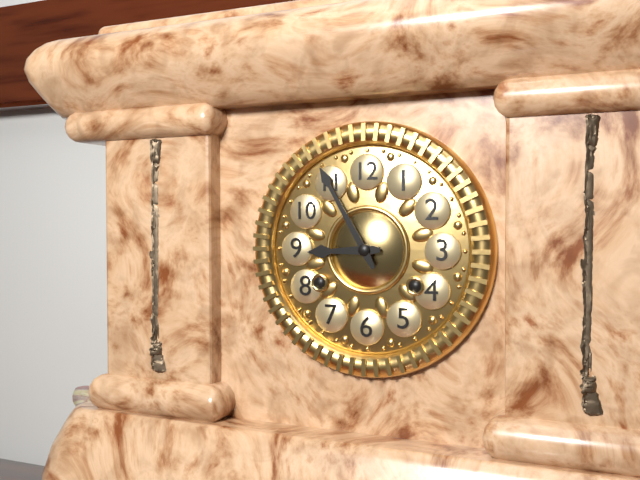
8,55
